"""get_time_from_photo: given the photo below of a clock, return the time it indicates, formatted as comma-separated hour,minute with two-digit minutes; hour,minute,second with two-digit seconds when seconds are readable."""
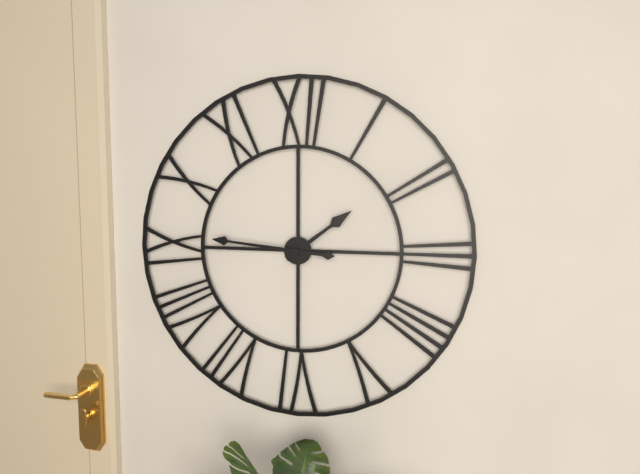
1,46
